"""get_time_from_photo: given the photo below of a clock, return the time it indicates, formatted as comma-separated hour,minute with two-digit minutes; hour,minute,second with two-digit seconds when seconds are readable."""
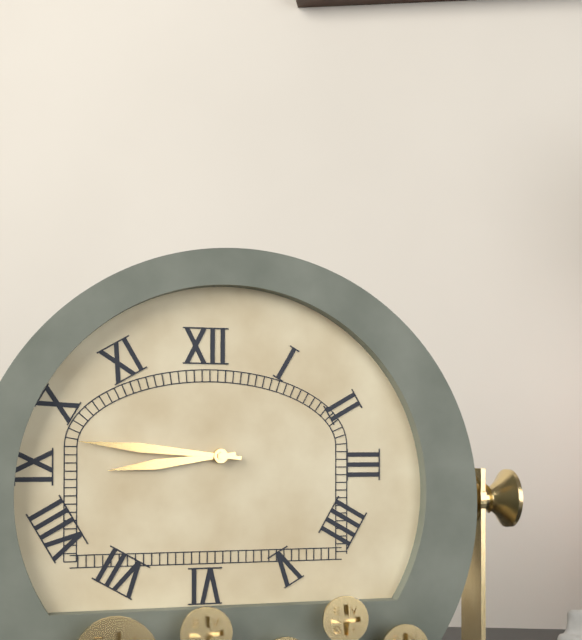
8,46
